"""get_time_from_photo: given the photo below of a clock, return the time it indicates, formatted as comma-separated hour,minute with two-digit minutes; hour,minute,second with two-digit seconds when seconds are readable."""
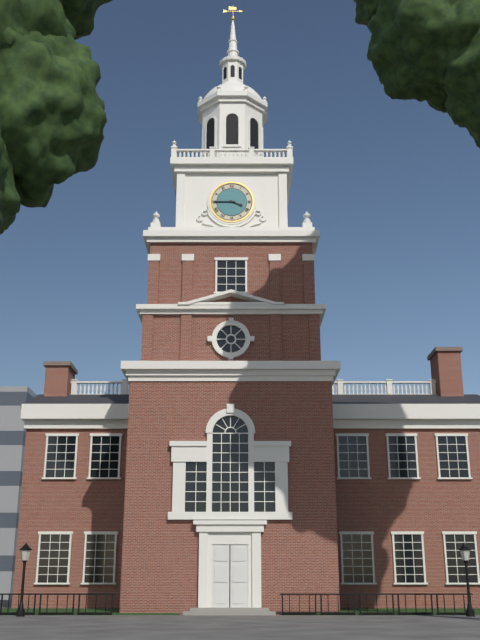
3,45
